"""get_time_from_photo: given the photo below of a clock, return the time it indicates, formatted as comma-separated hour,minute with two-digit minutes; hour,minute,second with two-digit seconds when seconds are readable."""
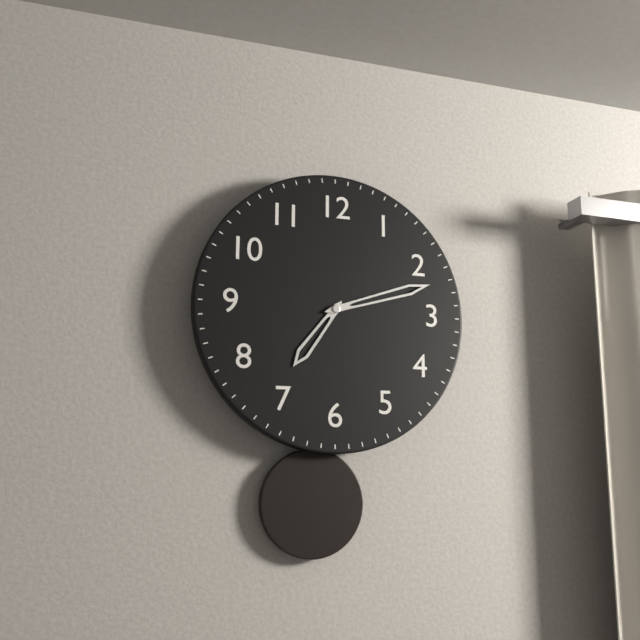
7,12
